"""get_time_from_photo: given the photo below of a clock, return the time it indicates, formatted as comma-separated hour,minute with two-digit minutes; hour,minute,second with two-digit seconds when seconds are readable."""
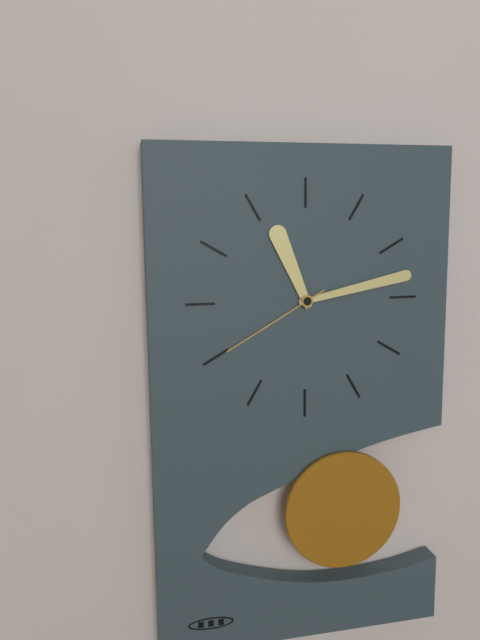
11,13,40
